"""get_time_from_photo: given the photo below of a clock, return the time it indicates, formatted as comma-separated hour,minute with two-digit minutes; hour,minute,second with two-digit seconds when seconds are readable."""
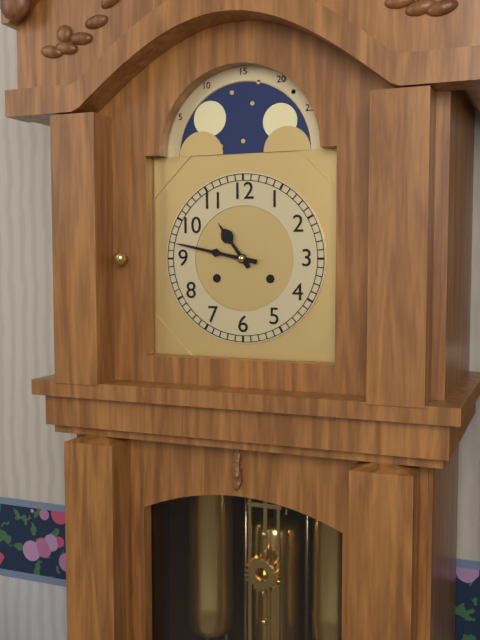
10,47
